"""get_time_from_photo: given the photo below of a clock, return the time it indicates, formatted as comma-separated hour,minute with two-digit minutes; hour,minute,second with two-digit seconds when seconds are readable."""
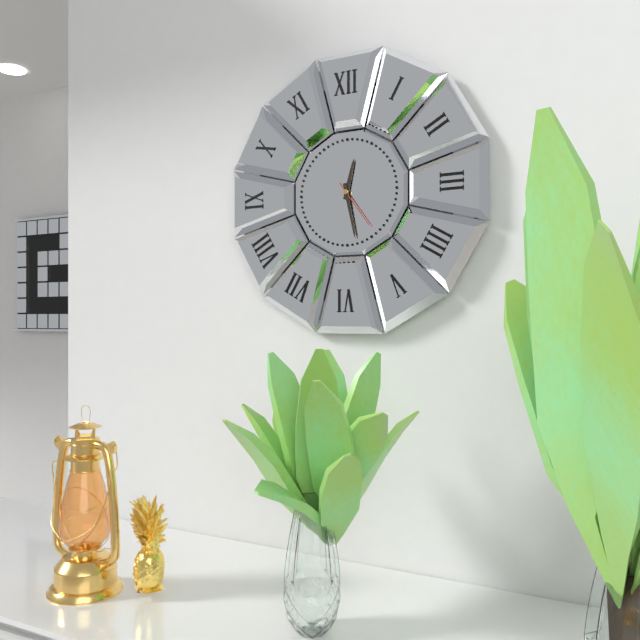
12,28
